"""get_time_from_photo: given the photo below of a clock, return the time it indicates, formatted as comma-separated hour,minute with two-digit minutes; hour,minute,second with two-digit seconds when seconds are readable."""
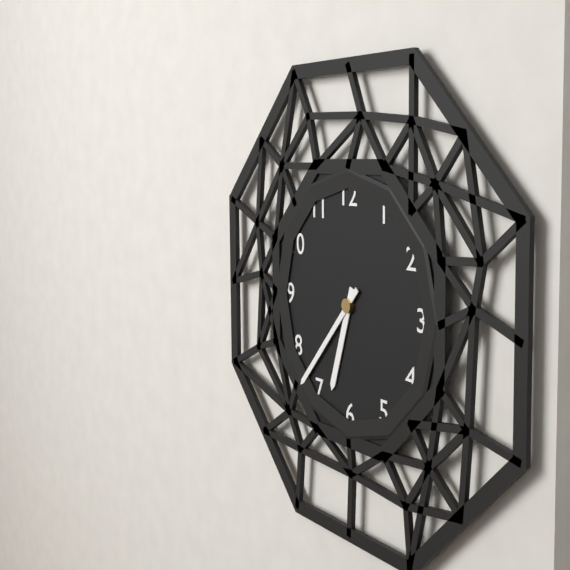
6,37
